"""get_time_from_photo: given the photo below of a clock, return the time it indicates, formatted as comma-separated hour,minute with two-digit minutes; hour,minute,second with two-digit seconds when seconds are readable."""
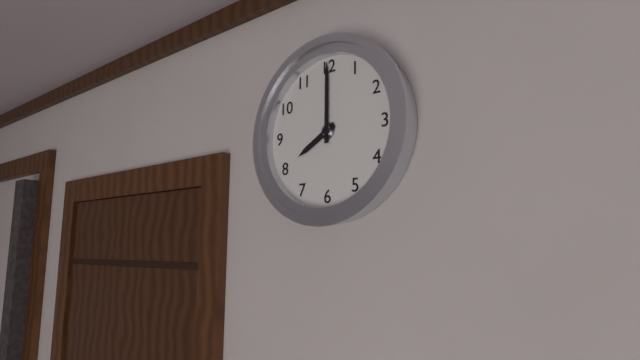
8,00
